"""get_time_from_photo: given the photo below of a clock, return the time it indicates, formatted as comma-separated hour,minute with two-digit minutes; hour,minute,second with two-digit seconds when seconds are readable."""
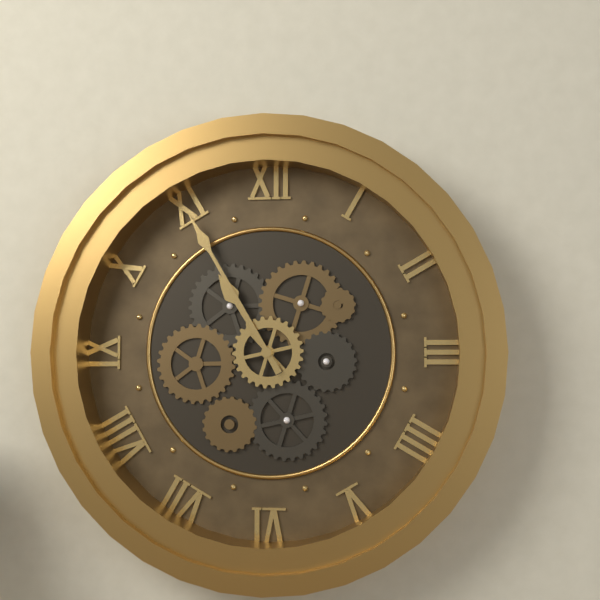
10,55
